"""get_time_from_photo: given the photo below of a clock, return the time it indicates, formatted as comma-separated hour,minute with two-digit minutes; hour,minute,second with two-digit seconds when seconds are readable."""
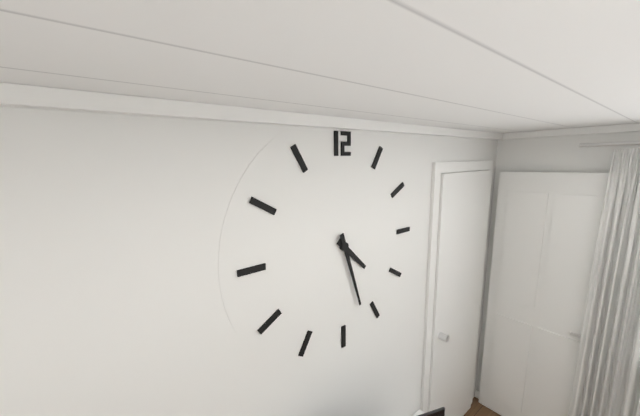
4,27
